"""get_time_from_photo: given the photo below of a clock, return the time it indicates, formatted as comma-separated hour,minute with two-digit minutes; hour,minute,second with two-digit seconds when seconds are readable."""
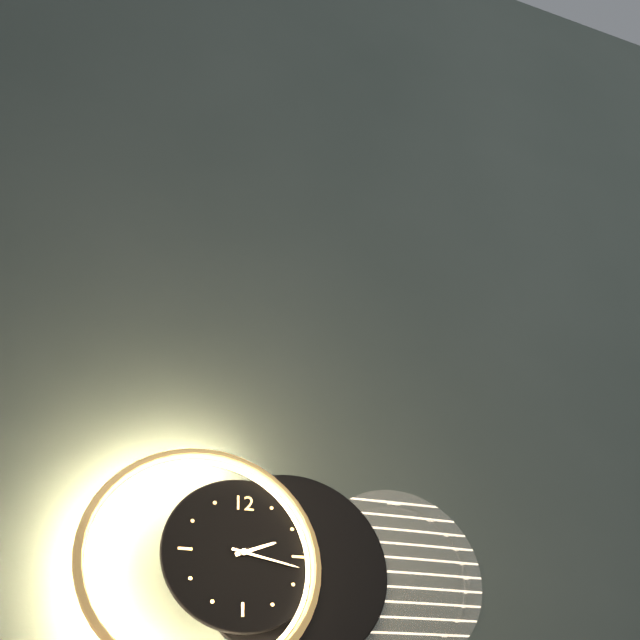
2,17
